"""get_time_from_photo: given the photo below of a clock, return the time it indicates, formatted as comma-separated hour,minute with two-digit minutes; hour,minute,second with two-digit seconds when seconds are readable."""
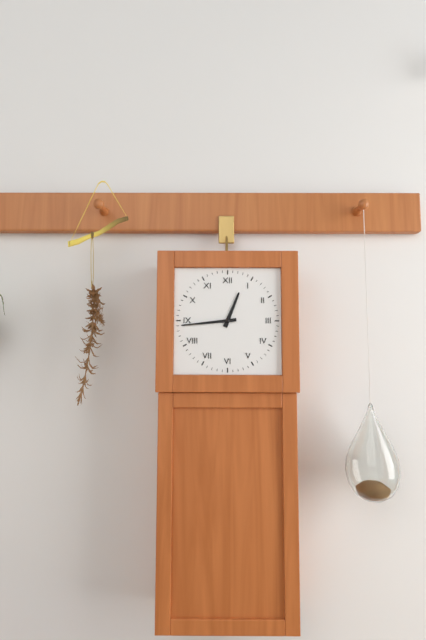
12,44
